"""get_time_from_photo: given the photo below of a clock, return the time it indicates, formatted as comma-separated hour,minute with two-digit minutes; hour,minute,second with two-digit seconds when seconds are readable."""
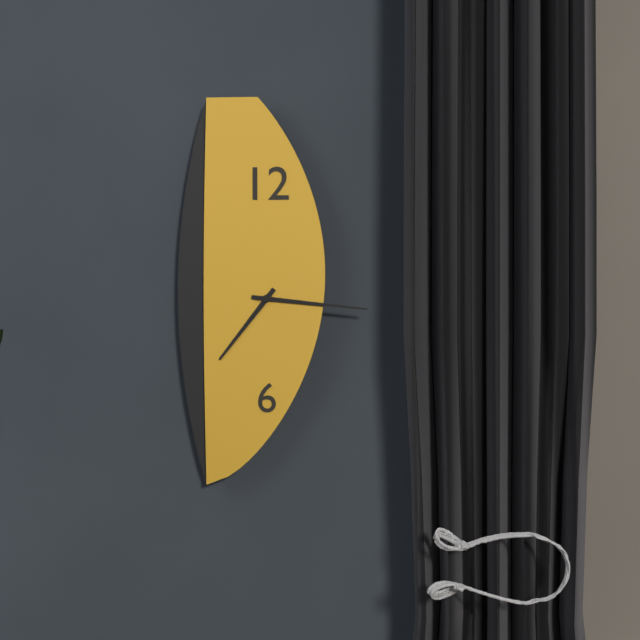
7,16
